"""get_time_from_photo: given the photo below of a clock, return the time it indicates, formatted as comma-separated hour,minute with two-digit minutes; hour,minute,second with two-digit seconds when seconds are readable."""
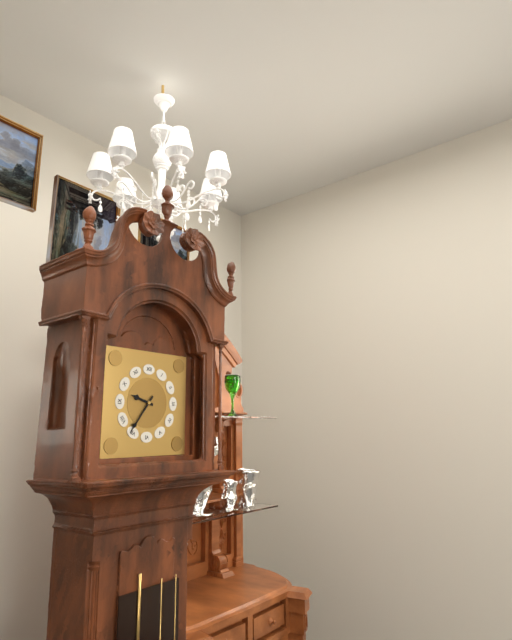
9,36
